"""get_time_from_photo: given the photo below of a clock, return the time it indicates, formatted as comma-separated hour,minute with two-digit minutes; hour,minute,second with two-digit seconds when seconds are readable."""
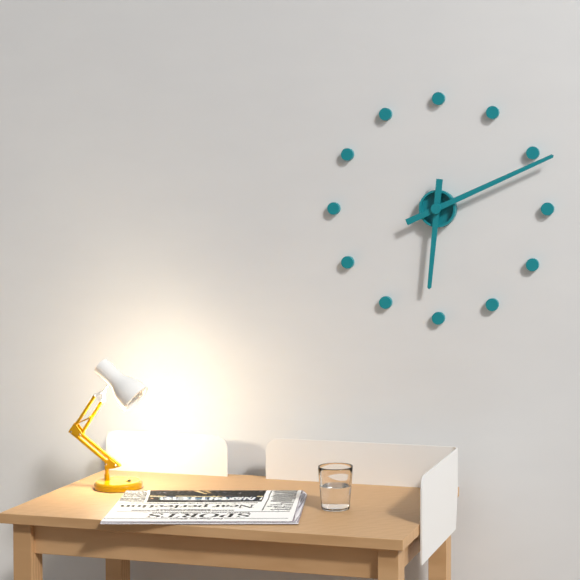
6,11
